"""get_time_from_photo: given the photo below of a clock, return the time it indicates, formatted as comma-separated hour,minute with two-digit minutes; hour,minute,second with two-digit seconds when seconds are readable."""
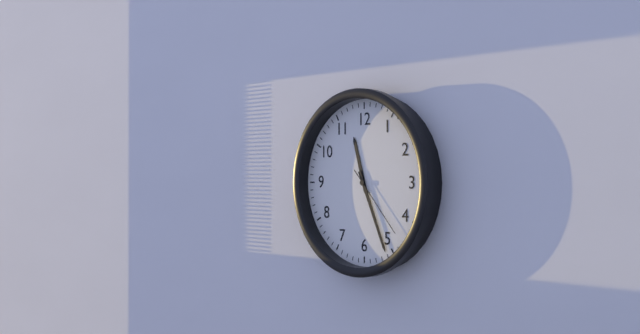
11,26,23
